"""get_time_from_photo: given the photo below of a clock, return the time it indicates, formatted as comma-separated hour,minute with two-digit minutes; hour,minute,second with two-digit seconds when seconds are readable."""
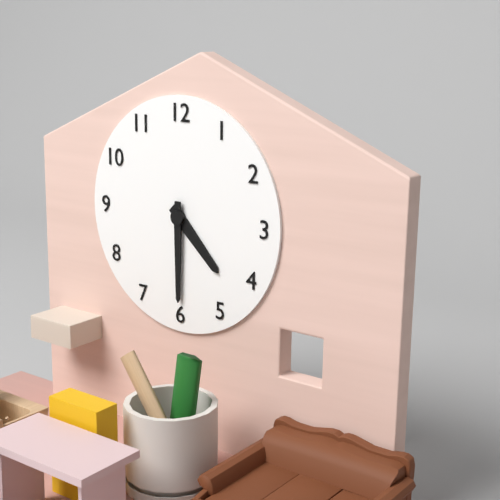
4,30
